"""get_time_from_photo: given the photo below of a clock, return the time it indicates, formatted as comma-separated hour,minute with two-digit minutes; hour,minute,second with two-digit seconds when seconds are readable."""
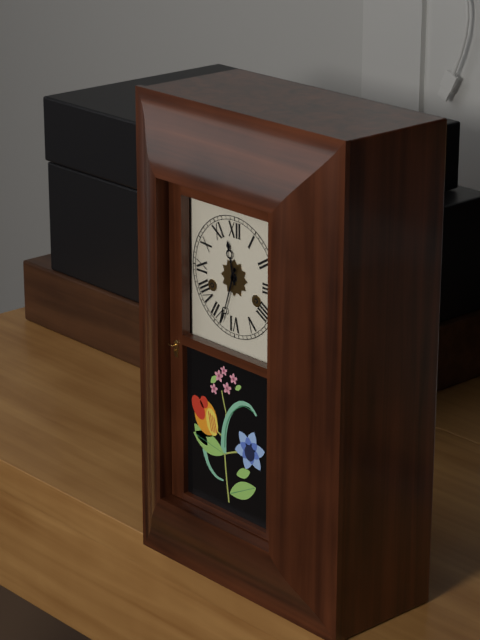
11,33
